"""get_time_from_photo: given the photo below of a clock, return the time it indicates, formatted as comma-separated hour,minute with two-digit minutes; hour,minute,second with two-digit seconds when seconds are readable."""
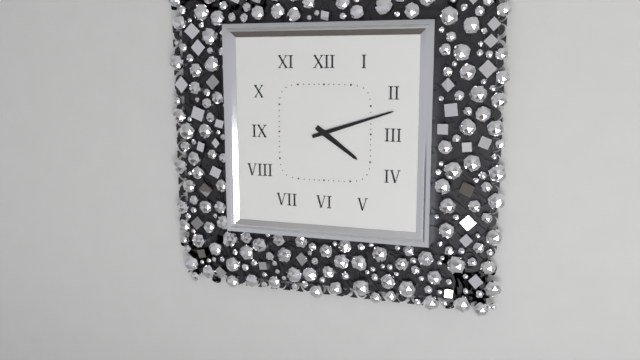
4,12
